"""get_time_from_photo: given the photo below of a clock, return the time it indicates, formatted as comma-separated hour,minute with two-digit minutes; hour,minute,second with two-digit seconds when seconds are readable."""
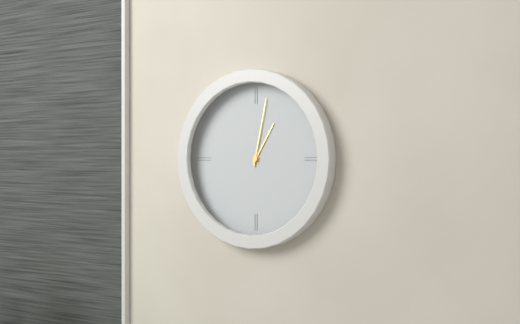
1,02
